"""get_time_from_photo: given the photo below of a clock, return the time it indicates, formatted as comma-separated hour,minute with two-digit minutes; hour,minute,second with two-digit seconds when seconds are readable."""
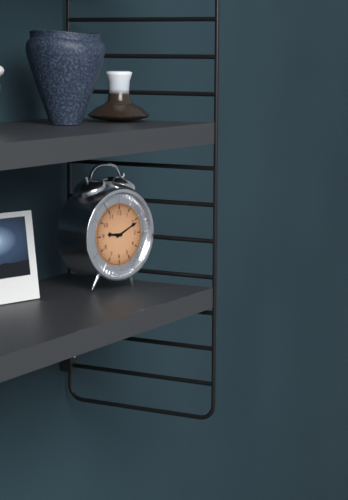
9,11
